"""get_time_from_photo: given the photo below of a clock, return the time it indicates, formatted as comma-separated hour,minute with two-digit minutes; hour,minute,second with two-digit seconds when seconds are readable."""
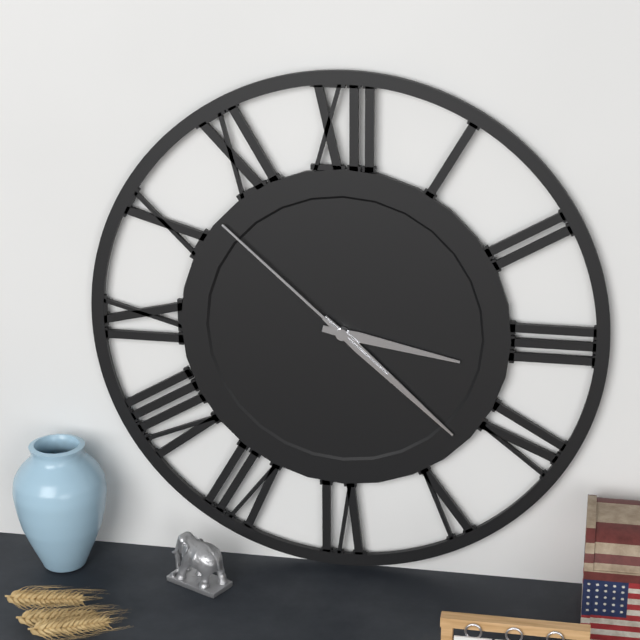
3,22,52
